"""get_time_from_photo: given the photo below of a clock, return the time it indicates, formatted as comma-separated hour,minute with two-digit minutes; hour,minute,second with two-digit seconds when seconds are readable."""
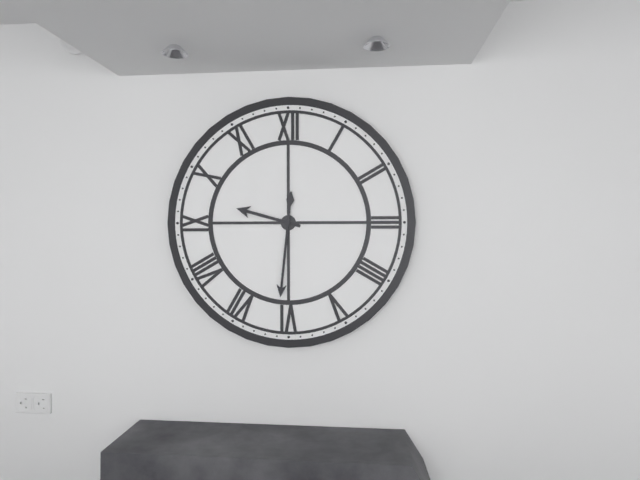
9,31
